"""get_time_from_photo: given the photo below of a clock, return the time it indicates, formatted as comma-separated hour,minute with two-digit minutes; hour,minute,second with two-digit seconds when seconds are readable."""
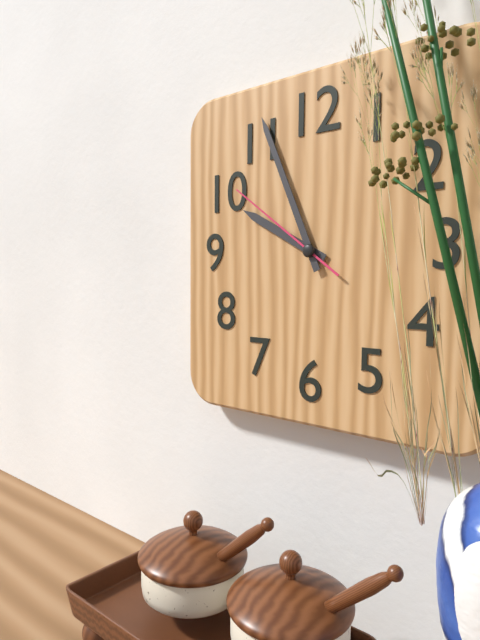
9,56,51
